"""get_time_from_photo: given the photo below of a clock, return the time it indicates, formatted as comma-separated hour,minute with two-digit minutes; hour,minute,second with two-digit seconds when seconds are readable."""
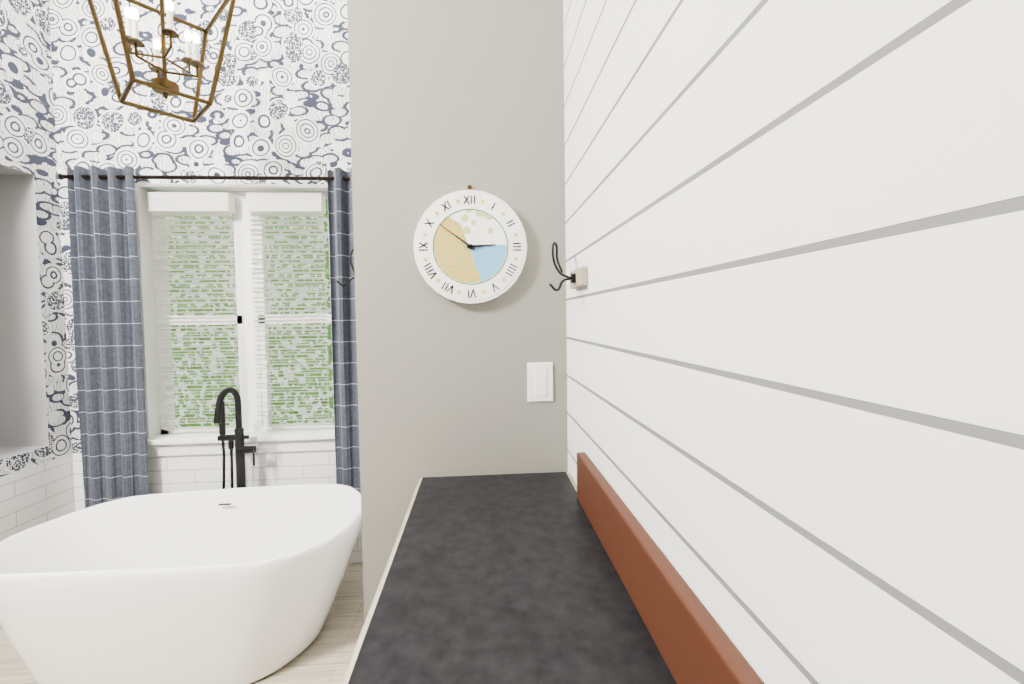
2,51
